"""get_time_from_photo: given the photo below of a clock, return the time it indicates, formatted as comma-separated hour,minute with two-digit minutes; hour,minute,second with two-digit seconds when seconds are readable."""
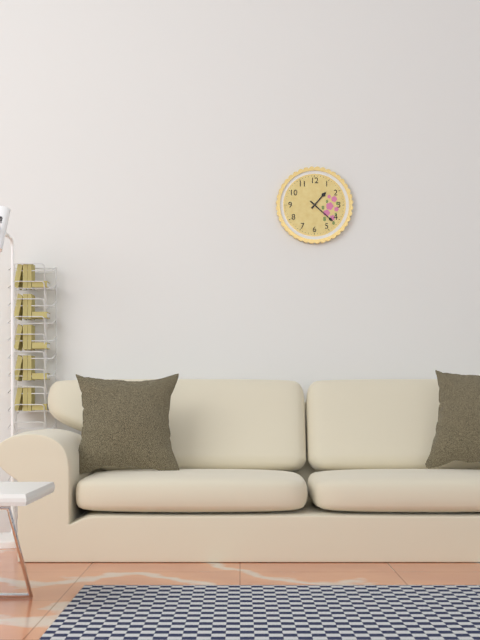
1,22
